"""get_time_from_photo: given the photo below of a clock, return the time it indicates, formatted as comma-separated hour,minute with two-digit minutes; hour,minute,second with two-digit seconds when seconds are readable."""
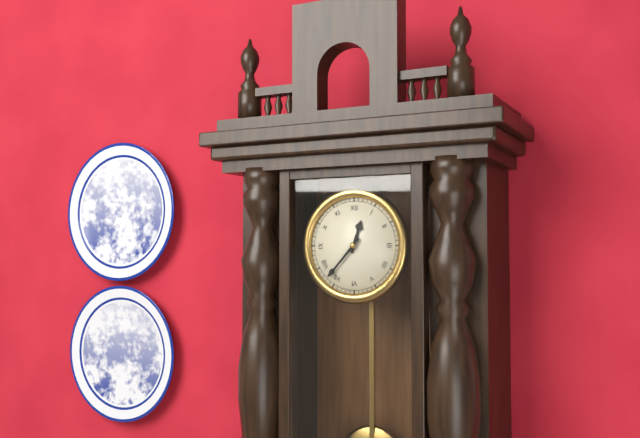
12,37
